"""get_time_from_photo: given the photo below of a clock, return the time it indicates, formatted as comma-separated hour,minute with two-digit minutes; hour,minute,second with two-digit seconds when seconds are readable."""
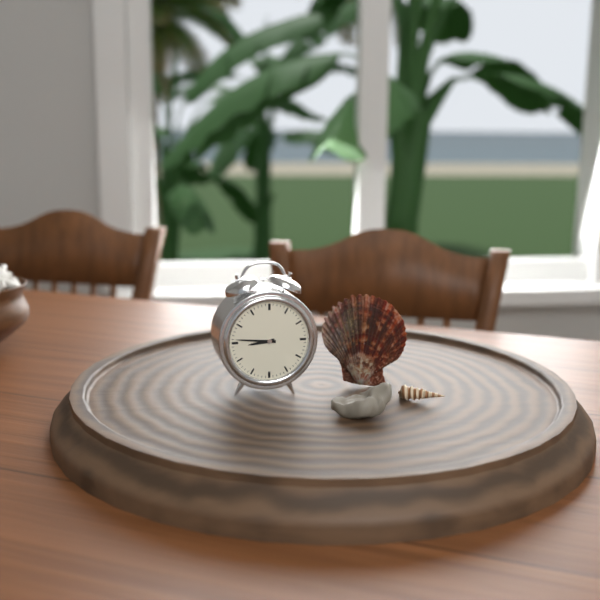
8,46
